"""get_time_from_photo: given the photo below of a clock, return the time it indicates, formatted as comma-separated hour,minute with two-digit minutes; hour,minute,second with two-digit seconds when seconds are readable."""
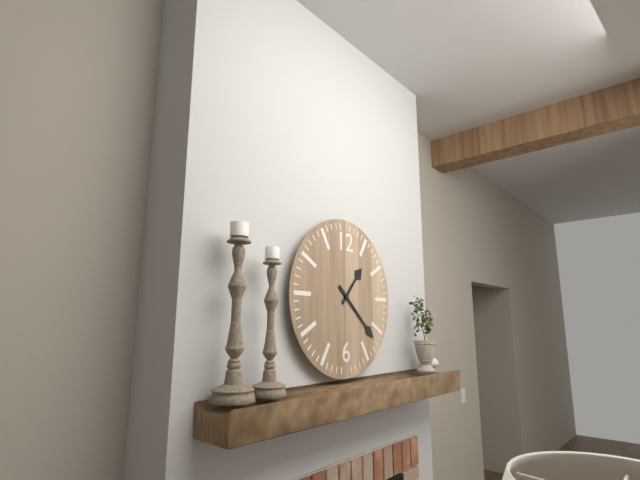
1,22
